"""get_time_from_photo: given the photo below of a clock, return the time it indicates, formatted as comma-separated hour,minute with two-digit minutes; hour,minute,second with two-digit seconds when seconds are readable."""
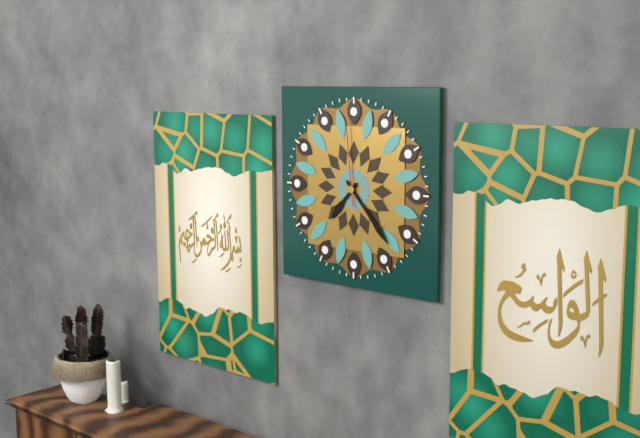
7,23,59
